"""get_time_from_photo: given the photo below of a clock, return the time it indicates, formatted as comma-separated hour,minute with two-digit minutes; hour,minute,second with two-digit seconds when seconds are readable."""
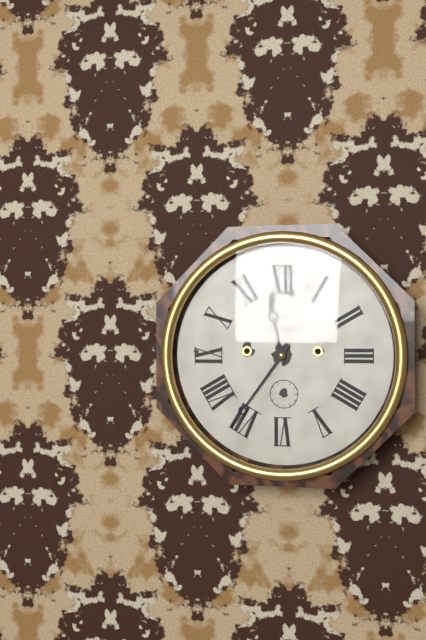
11,36
